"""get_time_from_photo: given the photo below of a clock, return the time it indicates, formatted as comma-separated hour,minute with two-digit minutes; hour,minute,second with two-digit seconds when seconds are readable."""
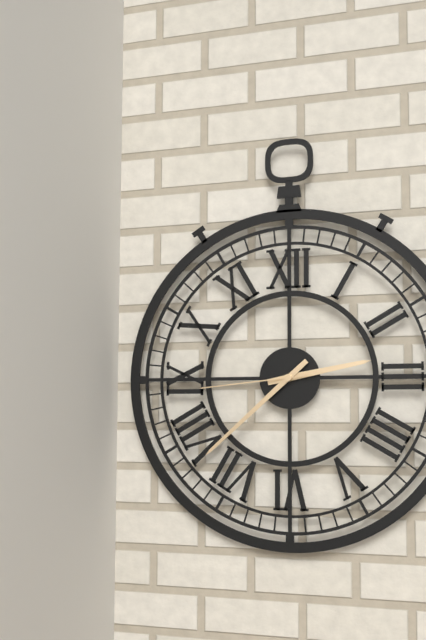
2,38,44
